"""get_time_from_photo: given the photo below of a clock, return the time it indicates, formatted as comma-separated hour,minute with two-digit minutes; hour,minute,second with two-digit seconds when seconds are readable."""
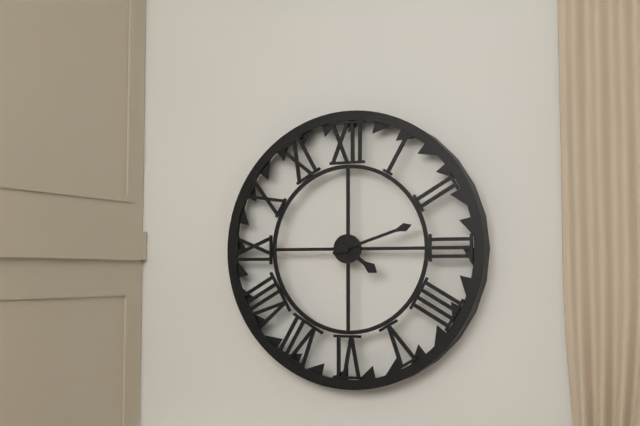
4,12
